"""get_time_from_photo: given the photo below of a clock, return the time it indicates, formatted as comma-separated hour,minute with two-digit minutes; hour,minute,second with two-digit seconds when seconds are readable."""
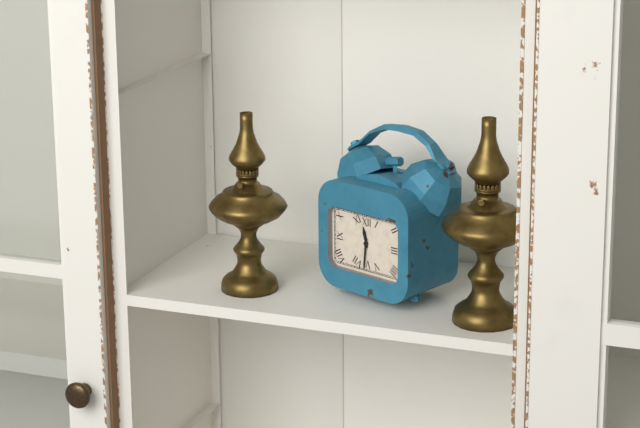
11,31
